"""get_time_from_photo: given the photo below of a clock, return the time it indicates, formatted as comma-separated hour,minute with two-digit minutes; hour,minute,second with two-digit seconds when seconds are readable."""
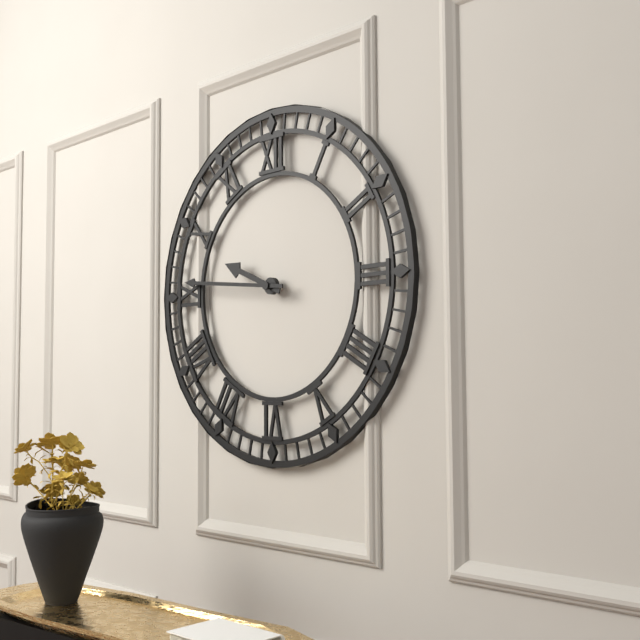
9,46
